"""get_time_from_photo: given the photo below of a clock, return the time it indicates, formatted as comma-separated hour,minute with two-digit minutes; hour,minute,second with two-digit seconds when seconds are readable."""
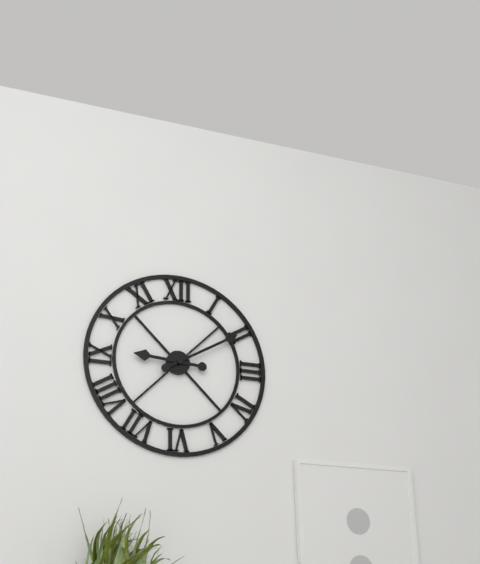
9,10
